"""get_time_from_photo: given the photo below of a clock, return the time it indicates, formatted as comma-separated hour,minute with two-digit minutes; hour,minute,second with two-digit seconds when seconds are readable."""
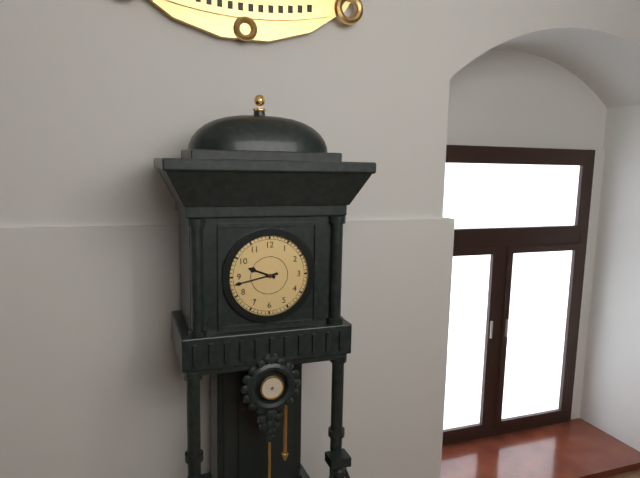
9,43
